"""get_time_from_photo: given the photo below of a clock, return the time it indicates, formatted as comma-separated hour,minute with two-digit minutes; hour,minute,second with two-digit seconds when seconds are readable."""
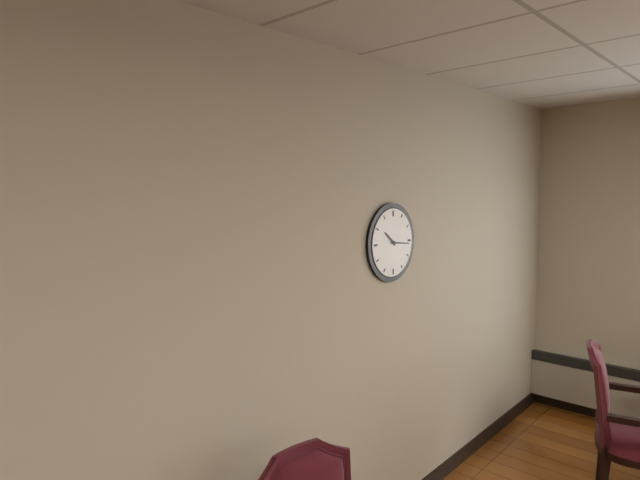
10,16
